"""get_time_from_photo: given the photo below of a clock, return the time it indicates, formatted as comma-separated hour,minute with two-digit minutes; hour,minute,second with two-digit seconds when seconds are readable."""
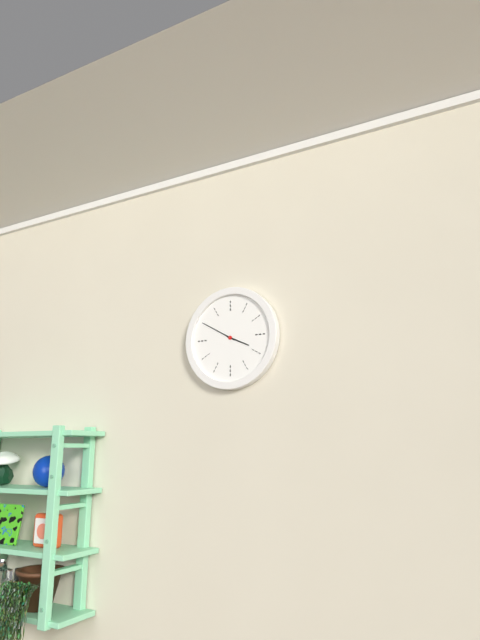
3,50
